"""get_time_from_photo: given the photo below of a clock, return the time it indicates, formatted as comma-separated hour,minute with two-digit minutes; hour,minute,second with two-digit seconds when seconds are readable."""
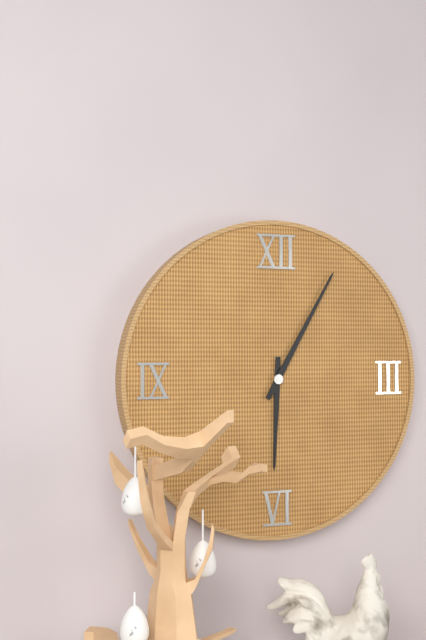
6,05
